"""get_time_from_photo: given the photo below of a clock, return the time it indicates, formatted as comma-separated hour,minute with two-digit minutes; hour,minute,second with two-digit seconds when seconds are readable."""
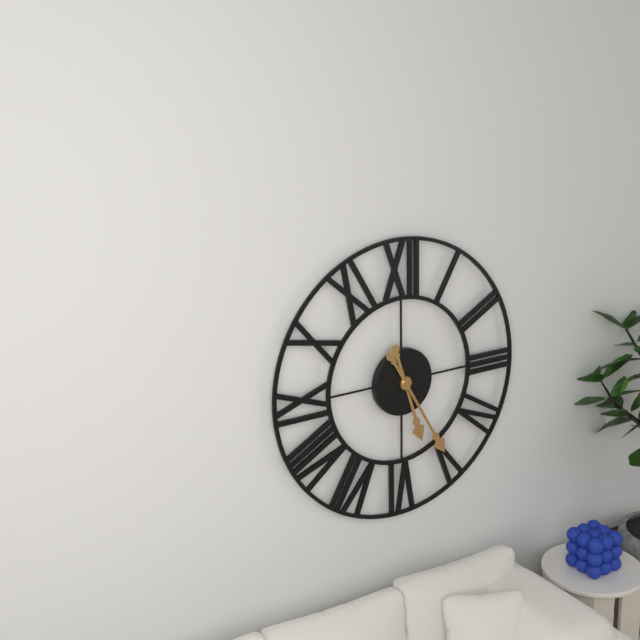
5,25
